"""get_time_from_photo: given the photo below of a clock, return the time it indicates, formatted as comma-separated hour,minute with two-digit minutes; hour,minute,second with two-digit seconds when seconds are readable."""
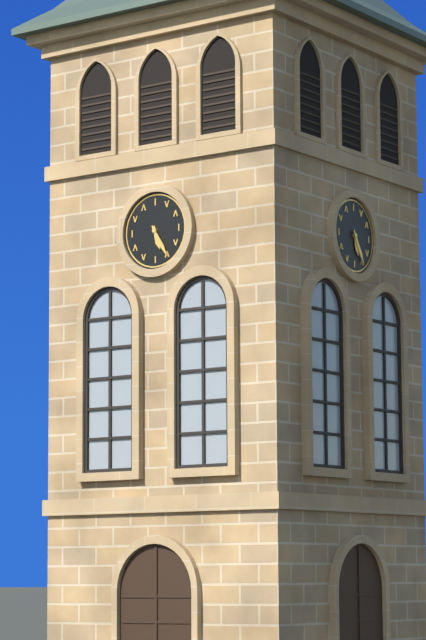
5,25
